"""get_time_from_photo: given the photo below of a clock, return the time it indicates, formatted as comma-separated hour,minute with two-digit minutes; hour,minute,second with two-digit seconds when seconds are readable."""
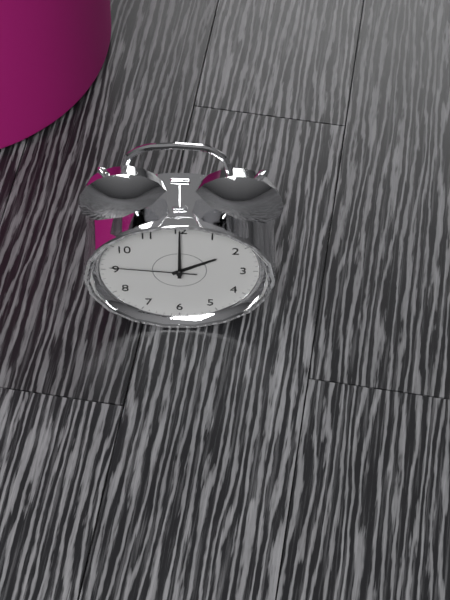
2,00,46
